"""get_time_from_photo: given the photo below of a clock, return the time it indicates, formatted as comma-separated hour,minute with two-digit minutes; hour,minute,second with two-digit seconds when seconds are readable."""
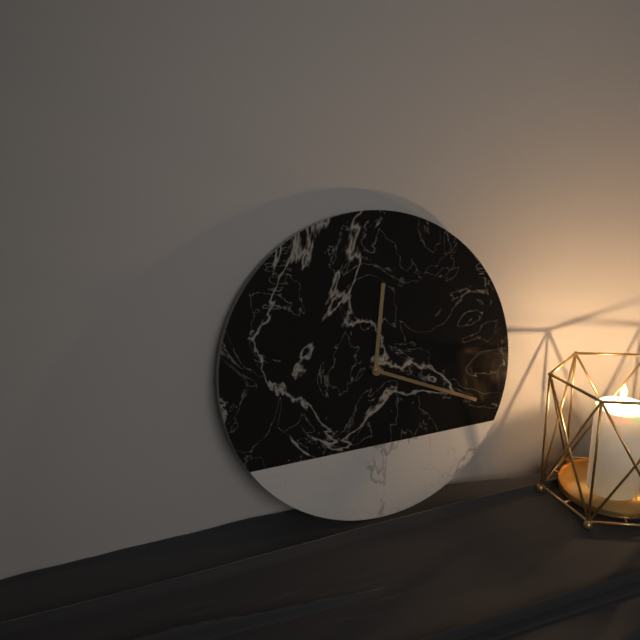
12,19
